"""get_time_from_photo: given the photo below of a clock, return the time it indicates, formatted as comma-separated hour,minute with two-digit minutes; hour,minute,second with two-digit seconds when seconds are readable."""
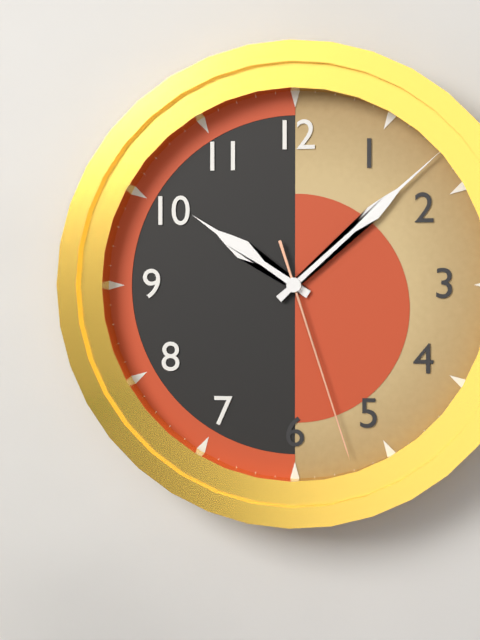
10,08,27
